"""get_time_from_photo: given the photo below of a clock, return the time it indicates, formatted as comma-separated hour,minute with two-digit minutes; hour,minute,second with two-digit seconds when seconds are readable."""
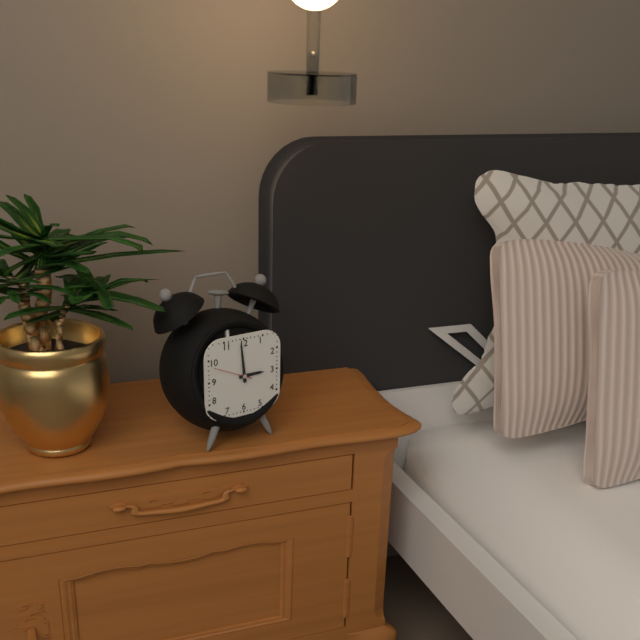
2,59
